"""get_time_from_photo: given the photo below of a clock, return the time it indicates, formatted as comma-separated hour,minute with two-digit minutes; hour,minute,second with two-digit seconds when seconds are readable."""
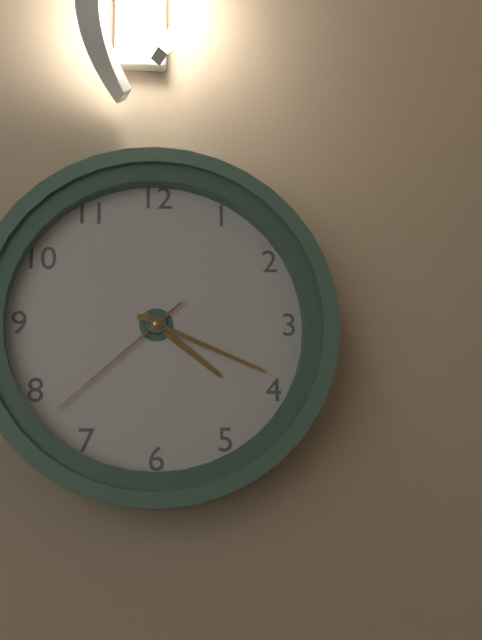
4,19,38
